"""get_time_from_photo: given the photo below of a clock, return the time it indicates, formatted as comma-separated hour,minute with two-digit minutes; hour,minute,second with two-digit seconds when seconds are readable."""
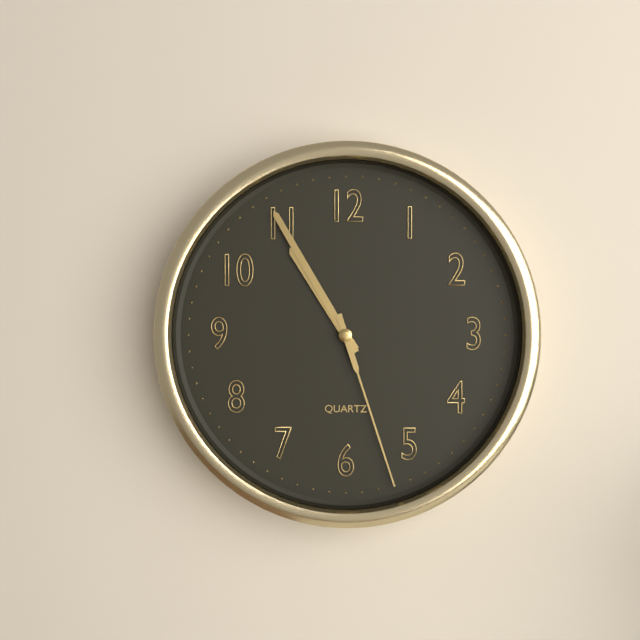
10,55,27
